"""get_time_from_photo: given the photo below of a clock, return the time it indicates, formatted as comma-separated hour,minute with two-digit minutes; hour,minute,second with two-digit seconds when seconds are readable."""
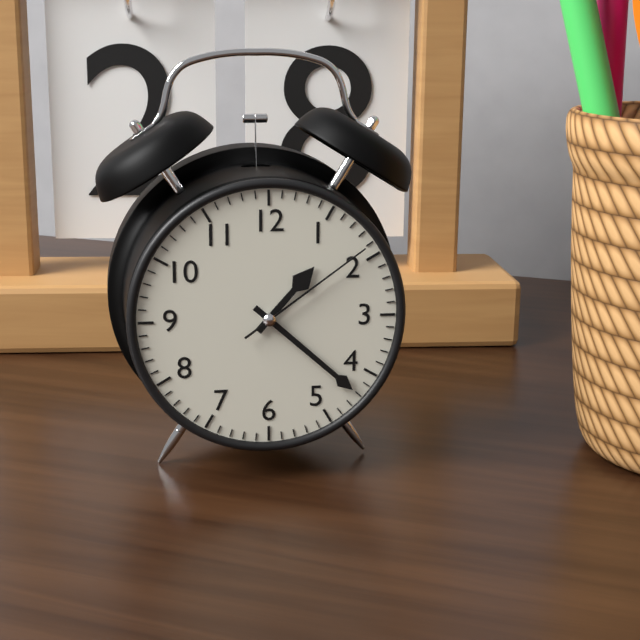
1,22,09
